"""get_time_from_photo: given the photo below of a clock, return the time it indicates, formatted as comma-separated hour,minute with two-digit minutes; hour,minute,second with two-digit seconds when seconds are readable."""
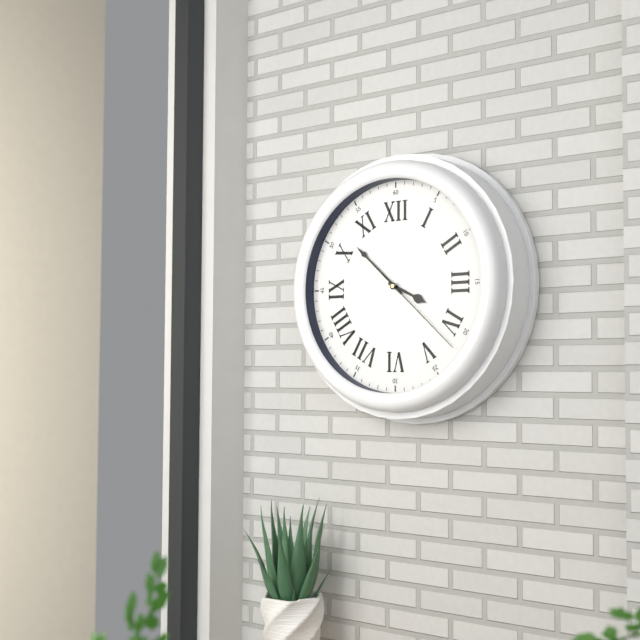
3,52,22
